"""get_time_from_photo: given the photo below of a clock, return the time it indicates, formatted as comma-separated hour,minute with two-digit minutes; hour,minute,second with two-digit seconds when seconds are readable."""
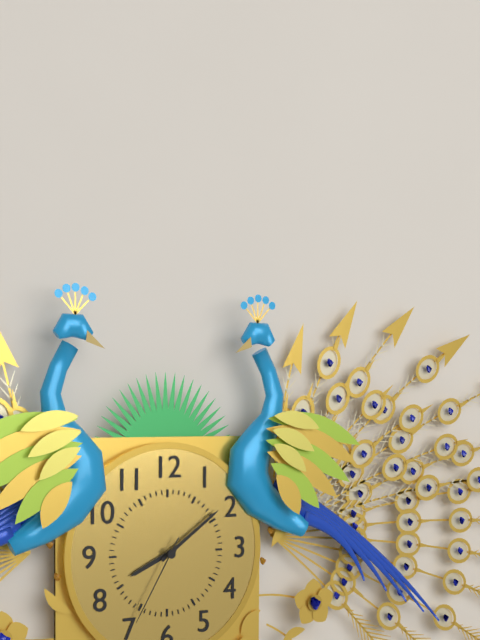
8,09,35
